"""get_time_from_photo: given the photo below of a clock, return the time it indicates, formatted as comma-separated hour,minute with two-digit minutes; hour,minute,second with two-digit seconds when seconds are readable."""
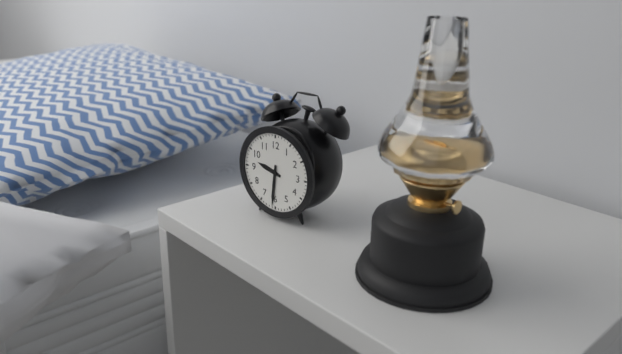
9,31
